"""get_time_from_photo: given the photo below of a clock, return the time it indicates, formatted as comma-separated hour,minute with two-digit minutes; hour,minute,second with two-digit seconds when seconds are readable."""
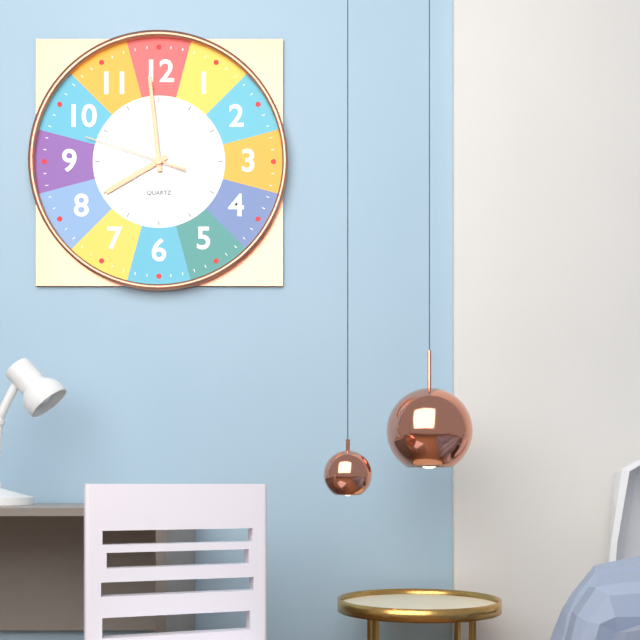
7,59,48
